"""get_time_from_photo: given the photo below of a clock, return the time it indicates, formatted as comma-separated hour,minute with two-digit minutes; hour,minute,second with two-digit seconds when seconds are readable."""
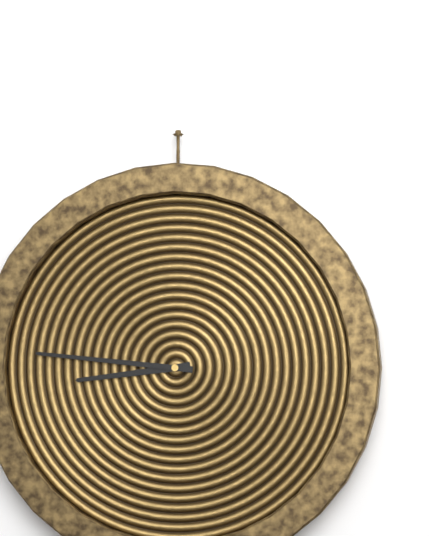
8,46
